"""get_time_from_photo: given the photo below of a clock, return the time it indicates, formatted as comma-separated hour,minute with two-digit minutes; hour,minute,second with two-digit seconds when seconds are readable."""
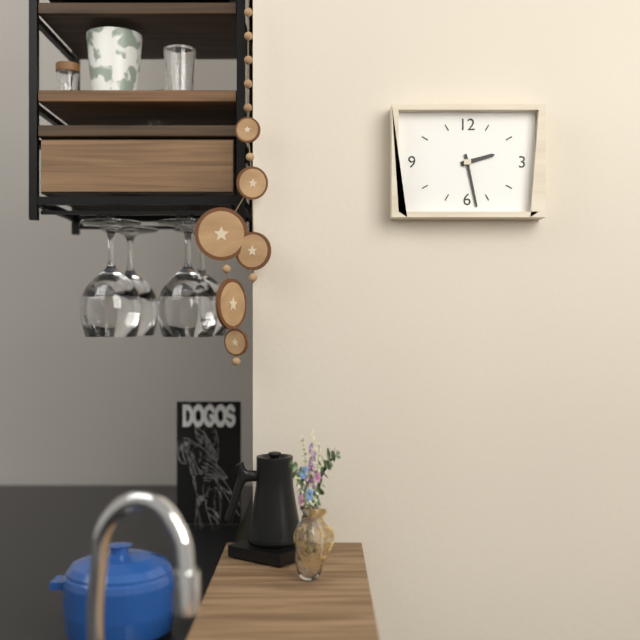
2,28
